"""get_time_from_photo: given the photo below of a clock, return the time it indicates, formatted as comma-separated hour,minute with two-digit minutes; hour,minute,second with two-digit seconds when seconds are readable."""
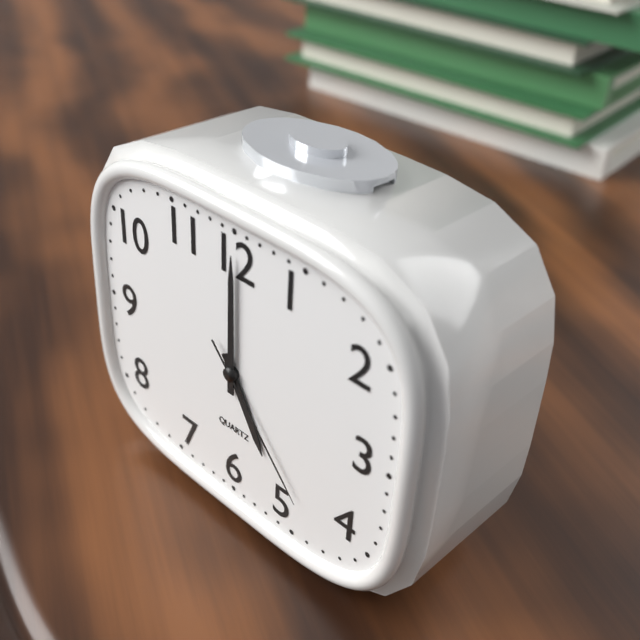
5,00,23
